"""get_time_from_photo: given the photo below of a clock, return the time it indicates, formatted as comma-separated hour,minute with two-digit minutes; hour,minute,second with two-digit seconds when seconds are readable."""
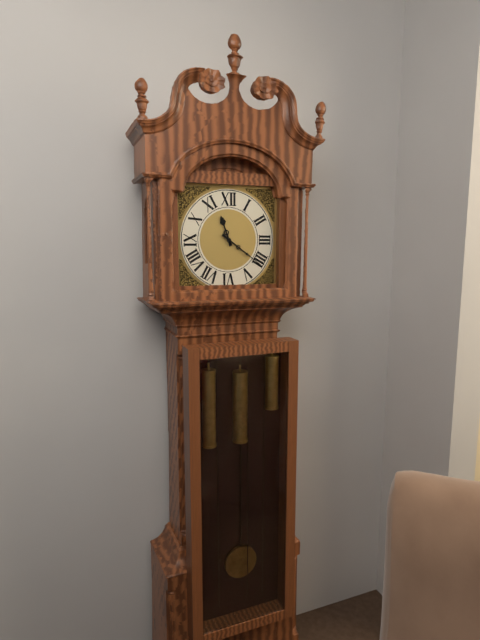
11,21
